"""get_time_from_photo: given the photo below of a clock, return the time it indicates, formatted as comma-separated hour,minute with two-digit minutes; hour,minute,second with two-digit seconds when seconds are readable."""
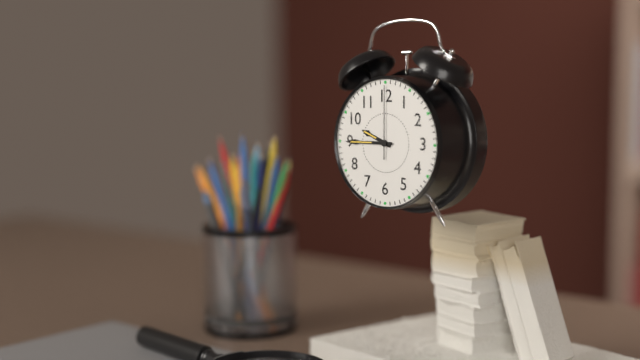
9,45,00
